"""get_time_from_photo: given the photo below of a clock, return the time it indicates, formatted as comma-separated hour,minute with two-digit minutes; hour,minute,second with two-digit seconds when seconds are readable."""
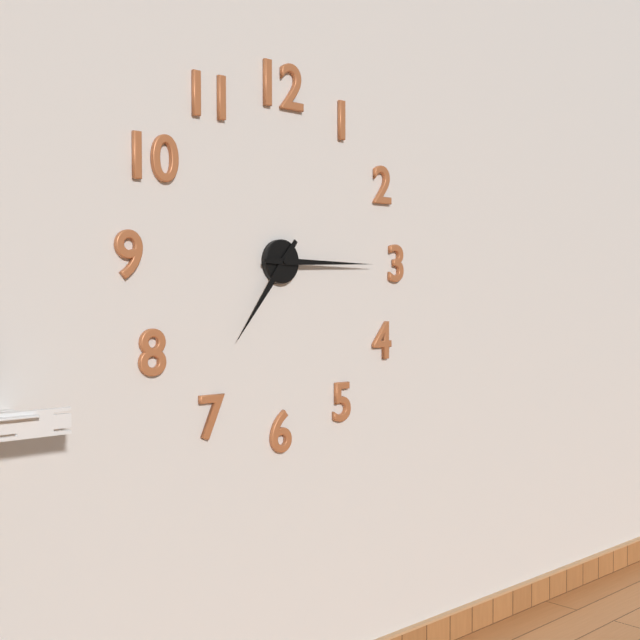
7,15
